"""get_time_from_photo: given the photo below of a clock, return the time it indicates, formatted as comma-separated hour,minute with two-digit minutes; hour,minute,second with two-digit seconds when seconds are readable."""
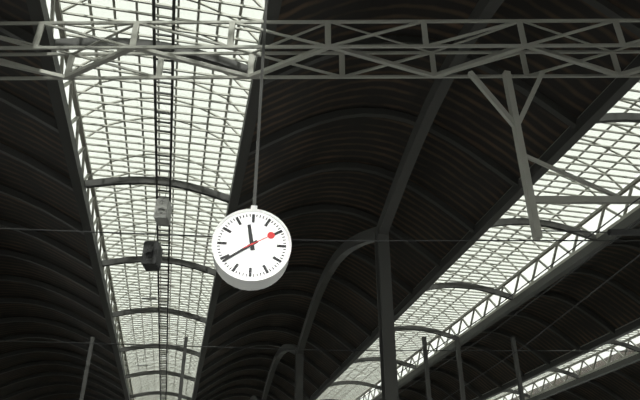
11,39
